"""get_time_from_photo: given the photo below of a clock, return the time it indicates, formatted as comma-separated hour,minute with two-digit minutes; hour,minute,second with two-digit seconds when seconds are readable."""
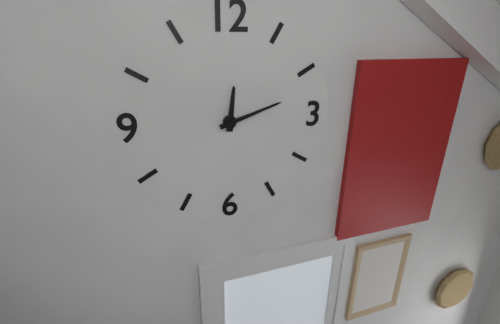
12,12
